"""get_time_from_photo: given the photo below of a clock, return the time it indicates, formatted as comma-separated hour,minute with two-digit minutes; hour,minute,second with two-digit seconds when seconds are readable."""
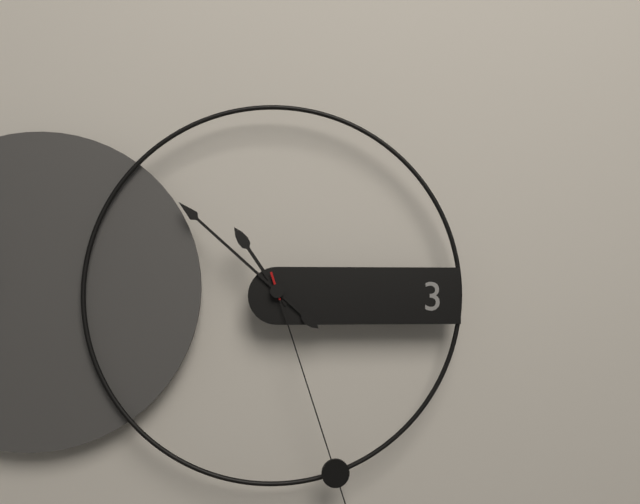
10,52
